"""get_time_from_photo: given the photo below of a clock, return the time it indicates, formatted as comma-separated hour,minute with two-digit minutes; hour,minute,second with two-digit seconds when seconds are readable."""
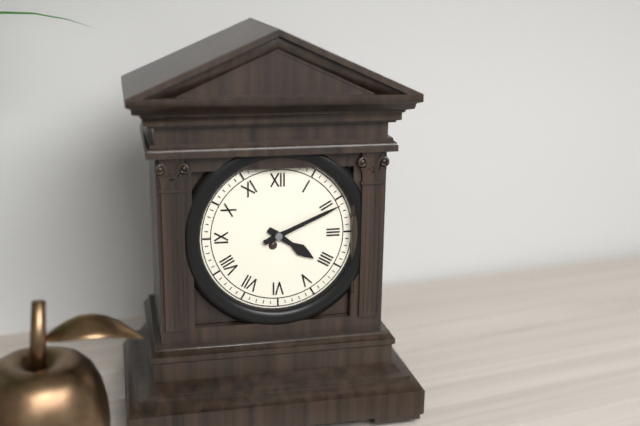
4,11
